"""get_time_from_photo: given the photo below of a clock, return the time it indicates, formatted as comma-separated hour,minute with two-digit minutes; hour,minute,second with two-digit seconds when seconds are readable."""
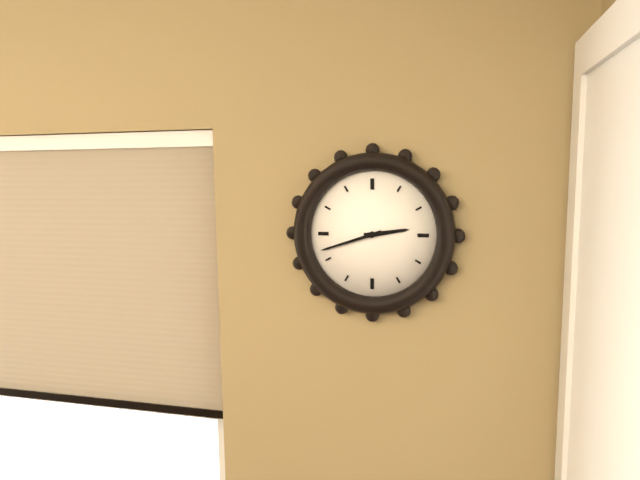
2,42
